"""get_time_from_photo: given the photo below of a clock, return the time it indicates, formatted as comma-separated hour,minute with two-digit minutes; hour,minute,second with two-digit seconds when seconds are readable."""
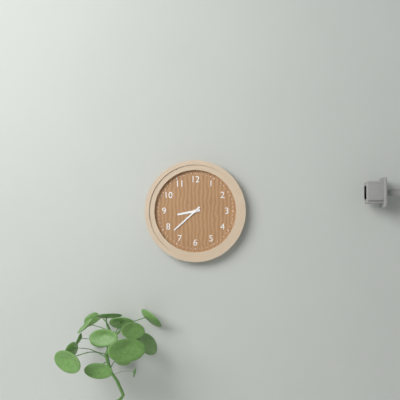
8,38
